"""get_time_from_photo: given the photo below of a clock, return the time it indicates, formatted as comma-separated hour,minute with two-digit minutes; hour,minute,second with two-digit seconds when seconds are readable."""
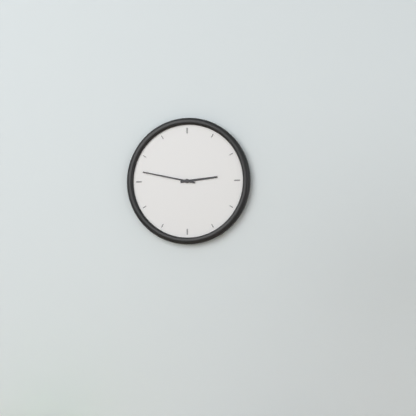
2,47
